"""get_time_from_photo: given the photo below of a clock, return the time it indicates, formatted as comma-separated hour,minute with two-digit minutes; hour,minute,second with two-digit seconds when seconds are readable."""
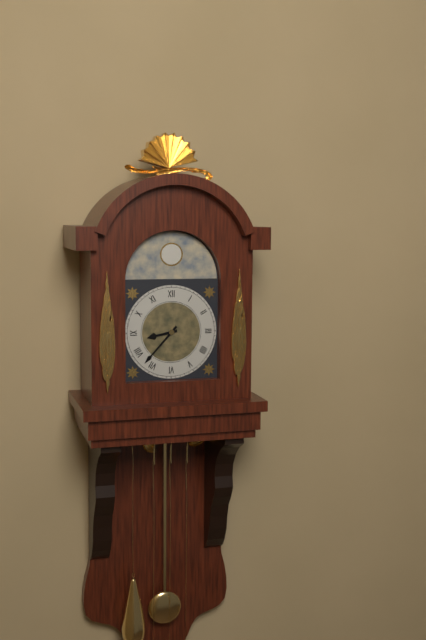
8,37
